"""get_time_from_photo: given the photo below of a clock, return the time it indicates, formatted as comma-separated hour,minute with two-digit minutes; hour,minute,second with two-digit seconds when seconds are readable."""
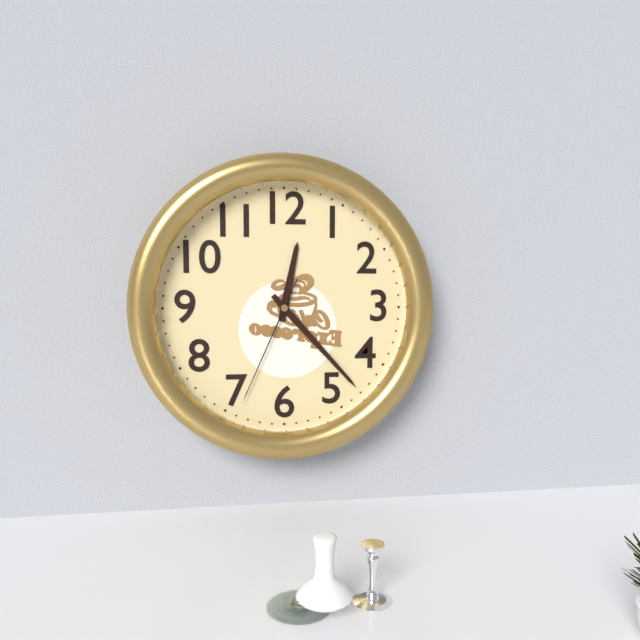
12,23,34
